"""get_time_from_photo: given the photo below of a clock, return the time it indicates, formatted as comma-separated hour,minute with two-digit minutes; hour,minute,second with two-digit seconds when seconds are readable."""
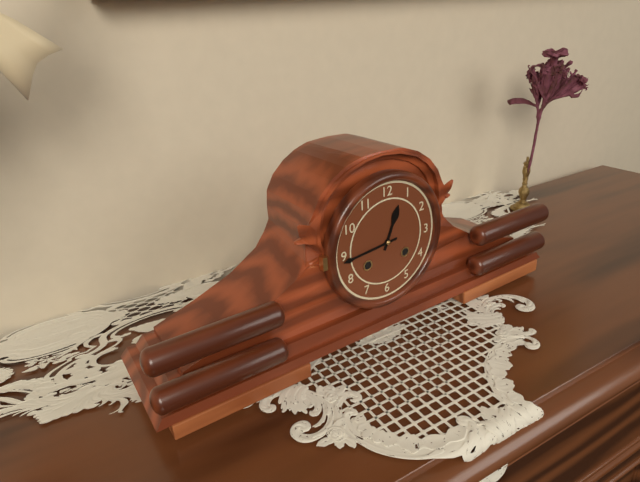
12,44
